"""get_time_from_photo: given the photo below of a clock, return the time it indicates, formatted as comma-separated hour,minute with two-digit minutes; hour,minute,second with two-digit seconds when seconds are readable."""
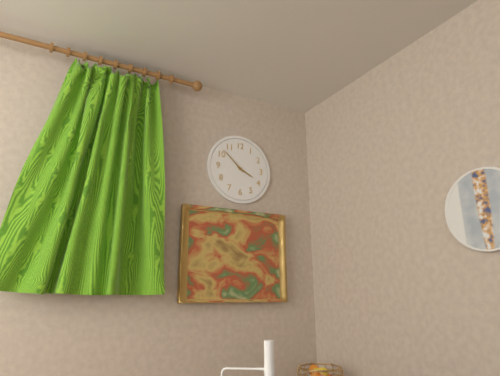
3,52
